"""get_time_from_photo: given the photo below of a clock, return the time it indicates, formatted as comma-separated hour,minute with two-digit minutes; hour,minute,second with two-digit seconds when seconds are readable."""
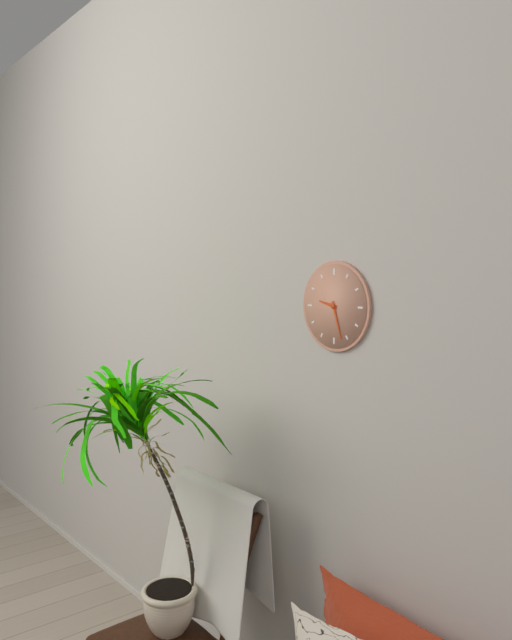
9,27
